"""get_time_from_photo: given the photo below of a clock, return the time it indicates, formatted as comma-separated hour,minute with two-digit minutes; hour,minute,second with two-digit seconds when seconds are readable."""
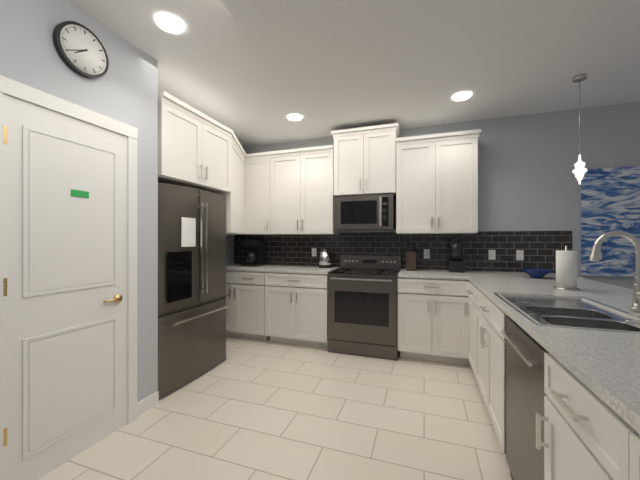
7,40
